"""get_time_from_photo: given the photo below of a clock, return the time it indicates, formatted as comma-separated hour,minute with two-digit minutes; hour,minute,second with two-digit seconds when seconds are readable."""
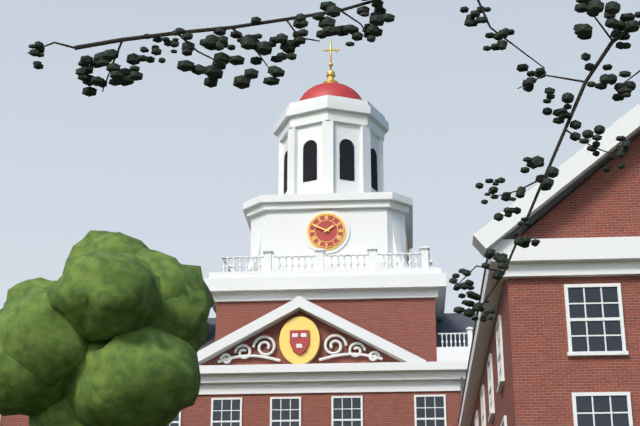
1,49
